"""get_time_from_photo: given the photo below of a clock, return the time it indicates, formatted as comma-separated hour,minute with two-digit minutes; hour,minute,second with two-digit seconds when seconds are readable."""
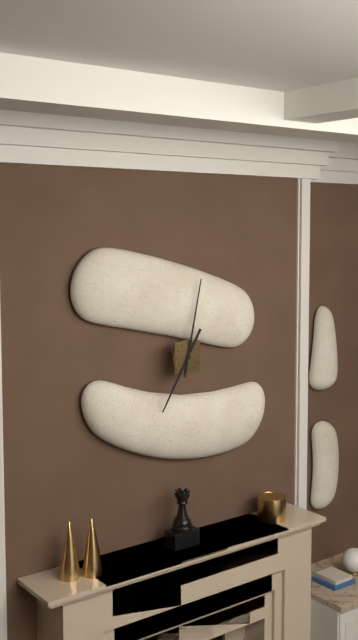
7,02
